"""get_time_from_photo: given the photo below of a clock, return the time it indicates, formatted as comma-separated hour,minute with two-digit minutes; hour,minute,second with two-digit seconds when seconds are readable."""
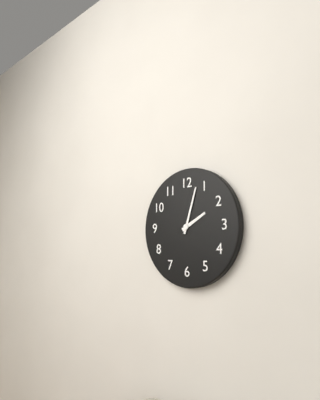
2,03
